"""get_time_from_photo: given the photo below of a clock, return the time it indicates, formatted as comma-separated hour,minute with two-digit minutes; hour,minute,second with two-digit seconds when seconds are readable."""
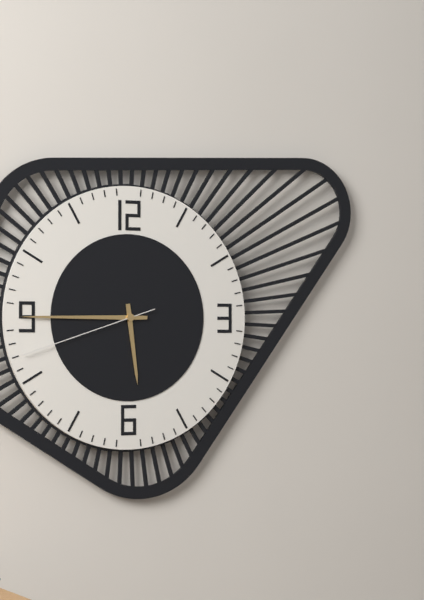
5,45,42
